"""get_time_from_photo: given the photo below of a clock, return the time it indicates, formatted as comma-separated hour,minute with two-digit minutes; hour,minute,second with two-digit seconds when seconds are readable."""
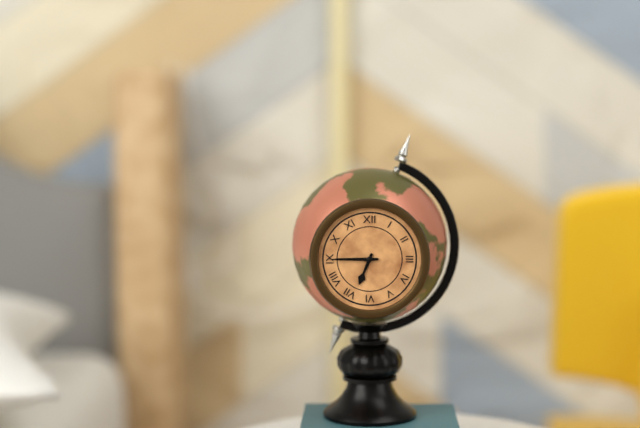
6,45
